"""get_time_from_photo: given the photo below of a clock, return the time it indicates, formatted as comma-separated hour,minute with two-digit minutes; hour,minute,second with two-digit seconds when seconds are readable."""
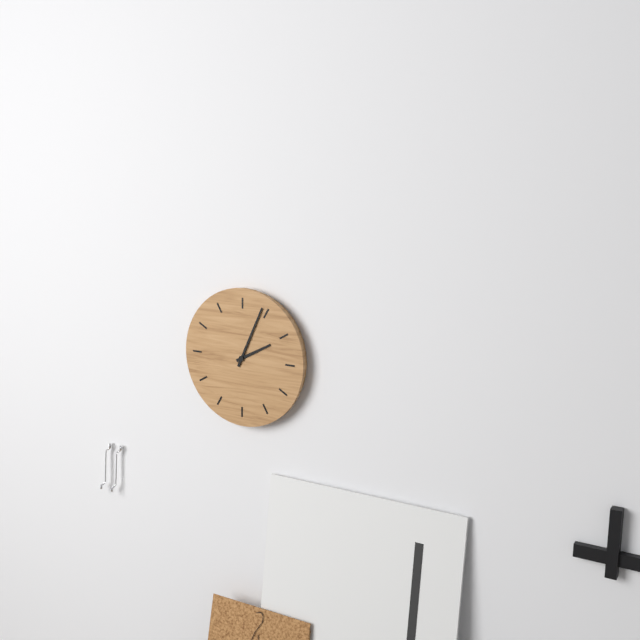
2,04
